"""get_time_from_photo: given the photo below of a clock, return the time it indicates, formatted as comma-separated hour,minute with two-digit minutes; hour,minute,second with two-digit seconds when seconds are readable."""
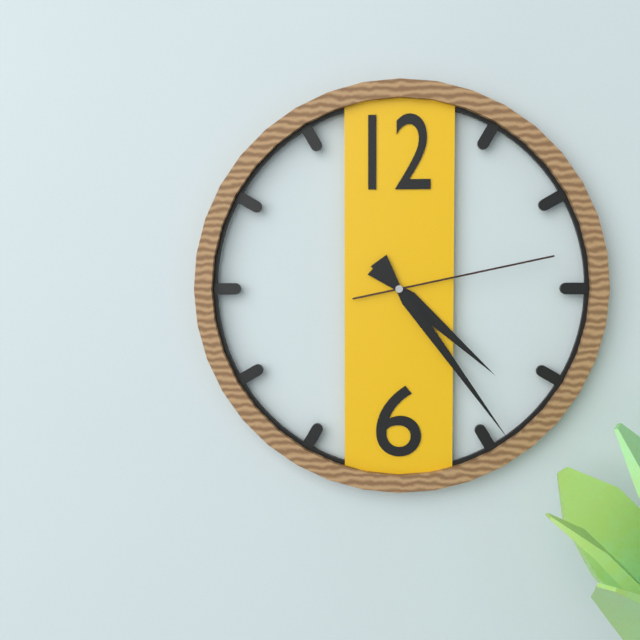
4,24,13
